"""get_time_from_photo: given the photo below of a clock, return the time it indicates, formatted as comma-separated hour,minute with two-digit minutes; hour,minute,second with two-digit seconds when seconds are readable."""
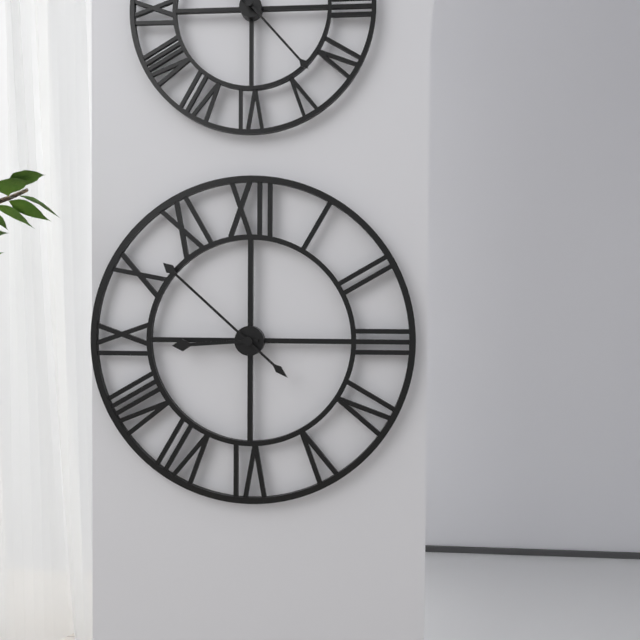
8,52
